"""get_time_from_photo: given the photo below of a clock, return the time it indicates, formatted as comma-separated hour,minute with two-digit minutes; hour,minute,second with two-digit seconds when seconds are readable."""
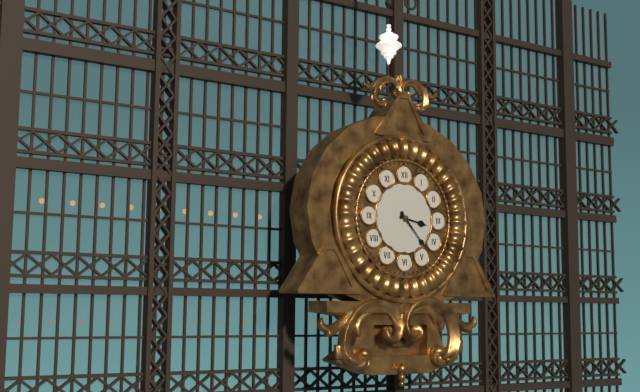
3,23
